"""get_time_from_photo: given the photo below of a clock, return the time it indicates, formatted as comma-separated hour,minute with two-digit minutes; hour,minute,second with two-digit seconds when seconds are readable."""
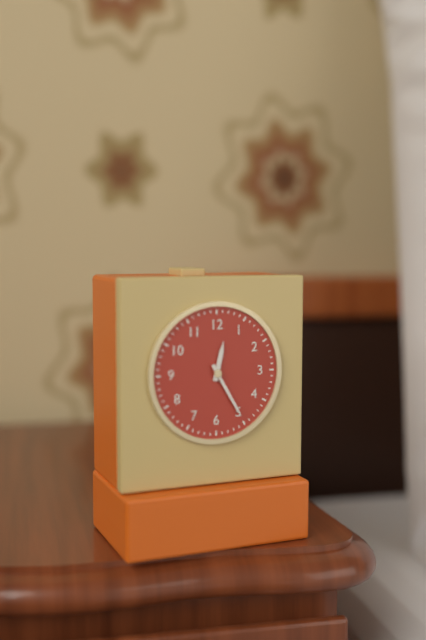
12,25
